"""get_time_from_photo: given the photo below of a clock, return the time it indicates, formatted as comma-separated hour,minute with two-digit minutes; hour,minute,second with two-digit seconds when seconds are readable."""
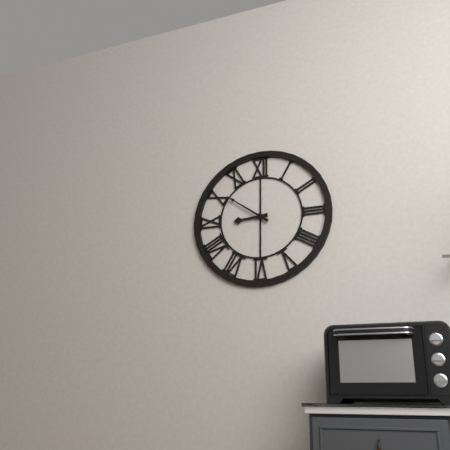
8,51
